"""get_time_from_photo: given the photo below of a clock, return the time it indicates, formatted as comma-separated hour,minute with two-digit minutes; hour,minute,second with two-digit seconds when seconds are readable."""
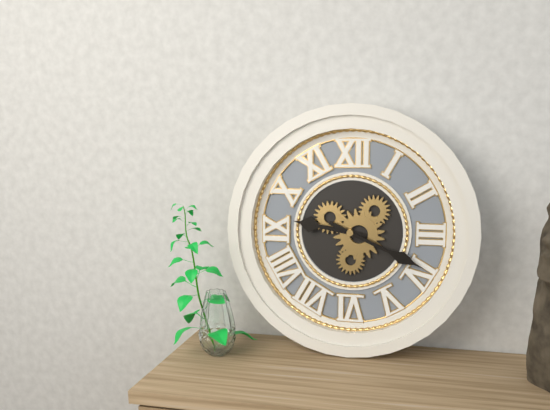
9,19
